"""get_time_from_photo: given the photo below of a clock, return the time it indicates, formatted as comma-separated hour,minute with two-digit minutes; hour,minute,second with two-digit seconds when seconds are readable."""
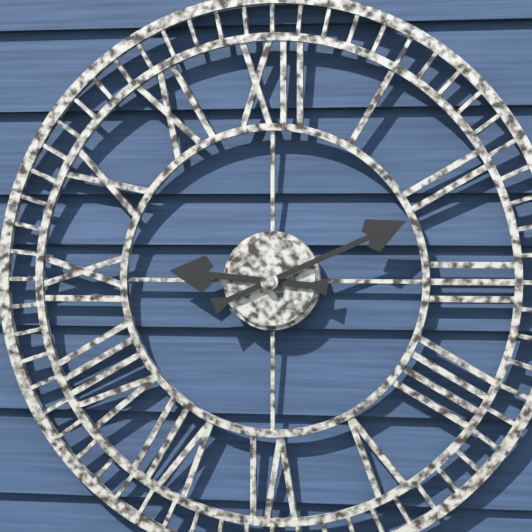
9,11
